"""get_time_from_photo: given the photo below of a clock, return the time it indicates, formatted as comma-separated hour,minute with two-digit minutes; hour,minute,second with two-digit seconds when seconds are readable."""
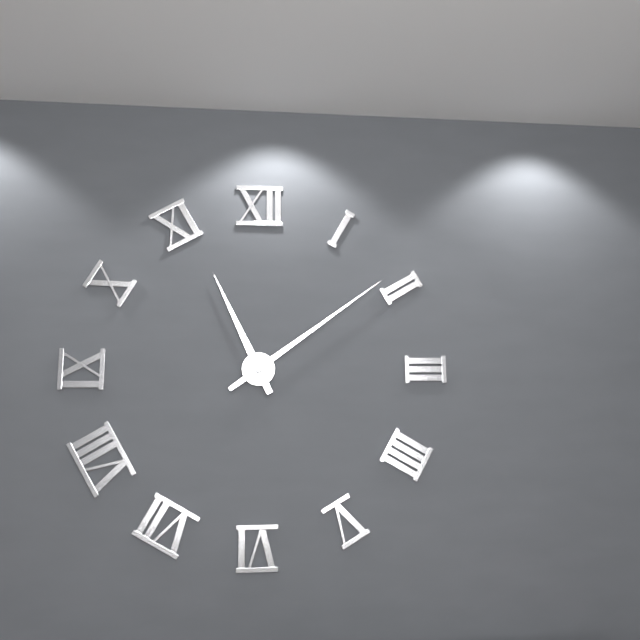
11,09
